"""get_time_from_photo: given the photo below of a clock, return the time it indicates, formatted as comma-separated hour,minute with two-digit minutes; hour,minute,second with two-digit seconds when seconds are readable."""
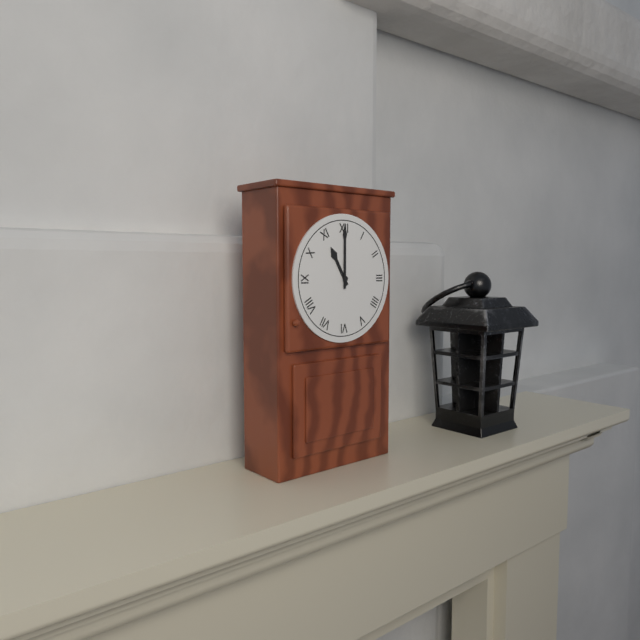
11,00
